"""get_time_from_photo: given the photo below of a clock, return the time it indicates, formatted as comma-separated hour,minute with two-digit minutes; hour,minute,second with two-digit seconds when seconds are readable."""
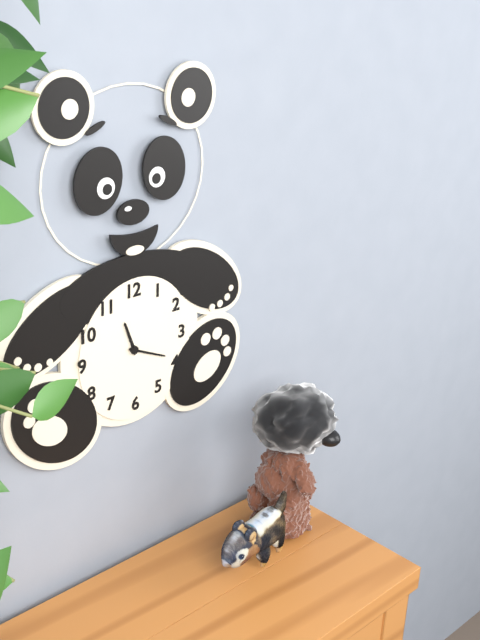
11,19
